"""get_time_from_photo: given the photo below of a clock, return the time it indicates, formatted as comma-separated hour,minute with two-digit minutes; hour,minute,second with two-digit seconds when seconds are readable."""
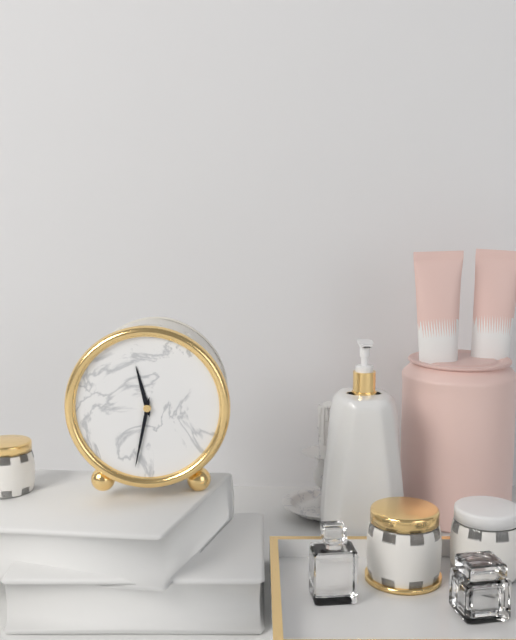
11,32
